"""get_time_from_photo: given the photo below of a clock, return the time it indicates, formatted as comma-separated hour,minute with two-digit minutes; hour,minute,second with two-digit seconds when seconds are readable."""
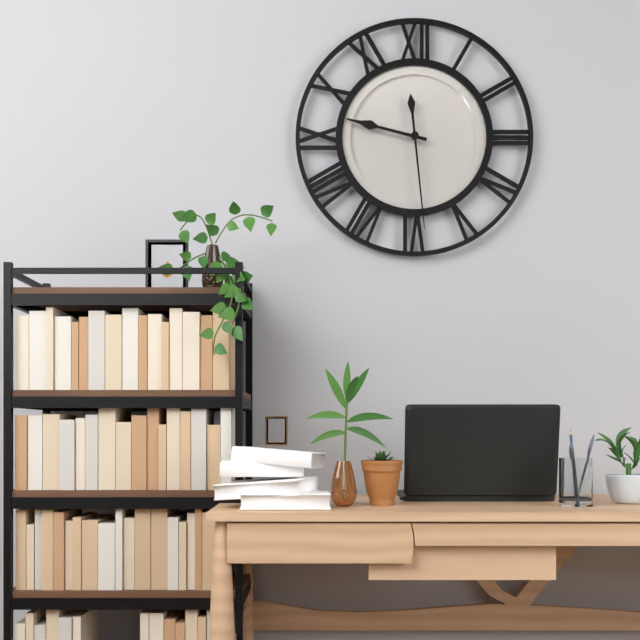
9,29
